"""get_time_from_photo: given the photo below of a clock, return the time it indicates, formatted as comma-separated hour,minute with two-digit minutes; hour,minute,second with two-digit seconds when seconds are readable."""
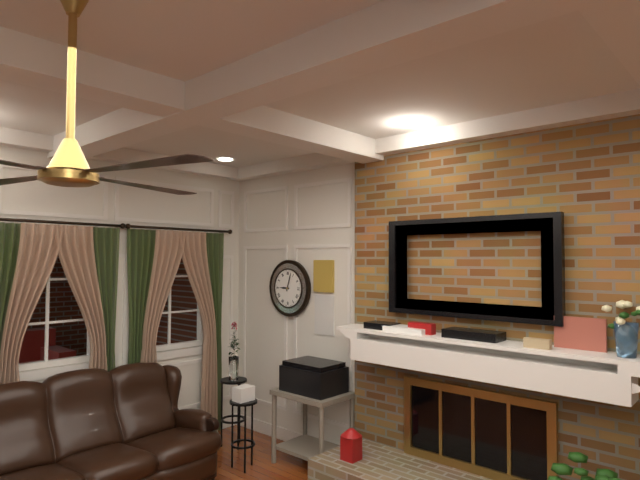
9,03
